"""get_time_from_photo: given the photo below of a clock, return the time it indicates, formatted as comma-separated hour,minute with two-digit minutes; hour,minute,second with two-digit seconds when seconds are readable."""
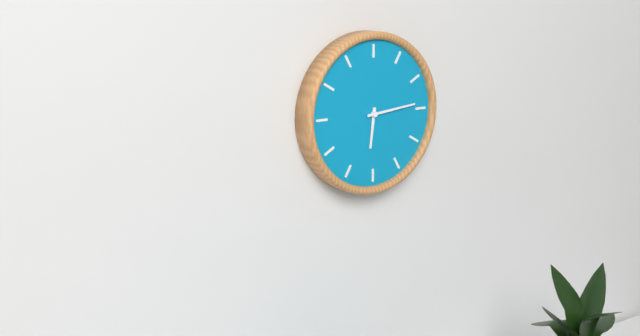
6,14
